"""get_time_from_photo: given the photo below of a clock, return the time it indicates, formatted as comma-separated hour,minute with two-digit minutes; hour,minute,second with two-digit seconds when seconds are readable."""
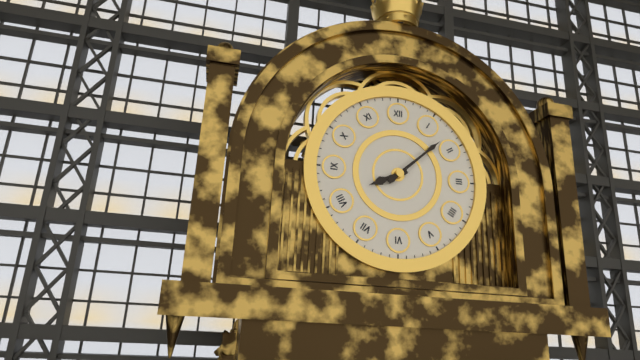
8,08
